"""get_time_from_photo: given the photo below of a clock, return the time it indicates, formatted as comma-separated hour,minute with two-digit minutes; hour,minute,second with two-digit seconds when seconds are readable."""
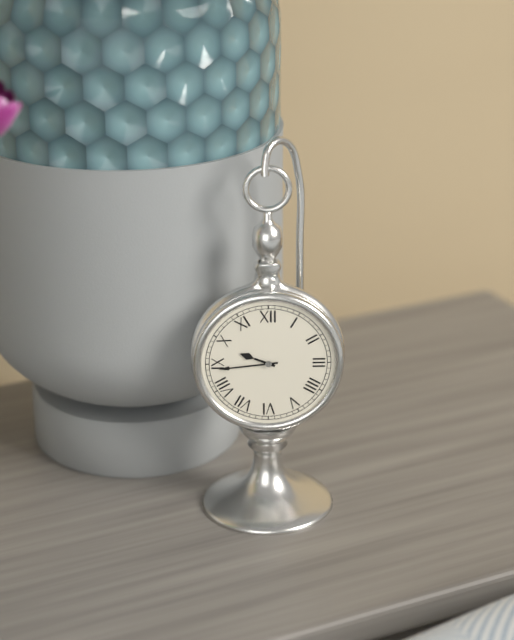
9,44
